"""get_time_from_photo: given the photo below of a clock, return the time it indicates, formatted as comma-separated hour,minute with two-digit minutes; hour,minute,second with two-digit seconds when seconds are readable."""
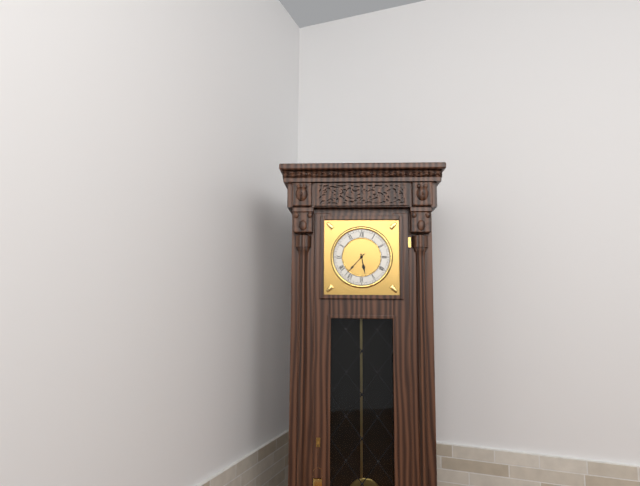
5,37
